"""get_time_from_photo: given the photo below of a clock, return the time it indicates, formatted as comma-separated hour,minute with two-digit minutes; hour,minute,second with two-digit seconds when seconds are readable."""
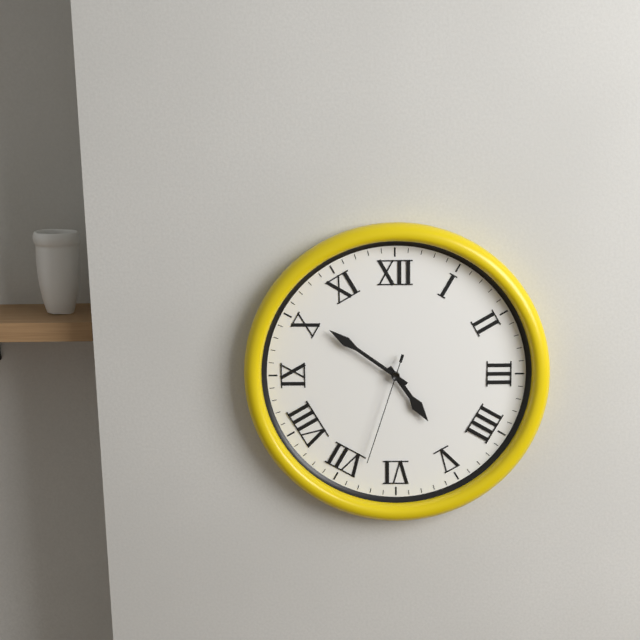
4,51,33
